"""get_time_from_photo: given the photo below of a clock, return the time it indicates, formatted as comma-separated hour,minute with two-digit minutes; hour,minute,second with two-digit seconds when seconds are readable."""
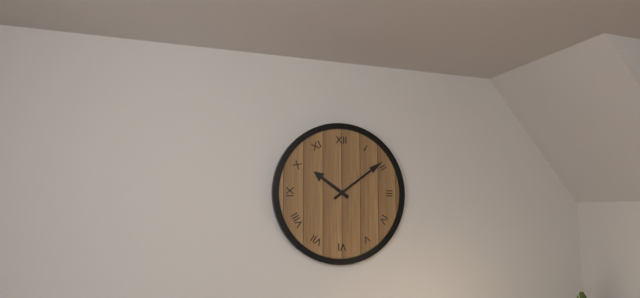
10,09
